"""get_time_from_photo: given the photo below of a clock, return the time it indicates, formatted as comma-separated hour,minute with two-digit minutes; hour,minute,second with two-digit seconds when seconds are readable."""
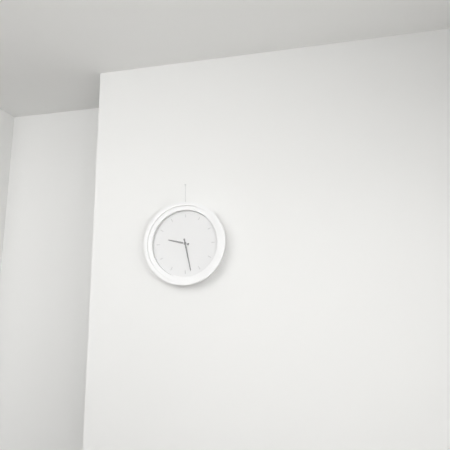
9,28
